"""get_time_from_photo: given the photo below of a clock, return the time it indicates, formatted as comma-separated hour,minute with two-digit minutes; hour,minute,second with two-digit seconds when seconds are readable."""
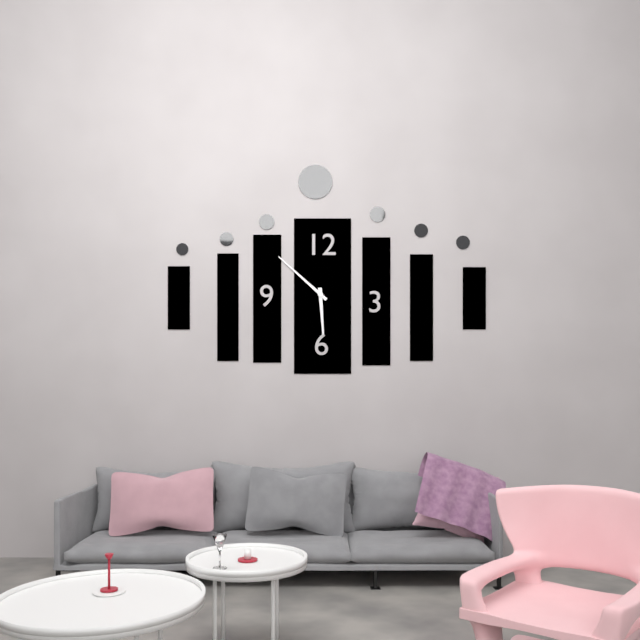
5,52
